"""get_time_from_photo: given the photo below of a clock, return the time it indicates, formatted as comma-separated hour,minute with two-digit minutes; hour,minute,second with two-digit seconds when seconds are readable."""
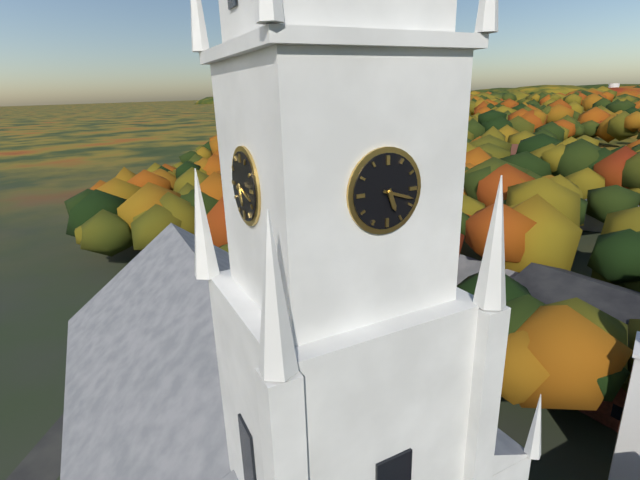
5,18
